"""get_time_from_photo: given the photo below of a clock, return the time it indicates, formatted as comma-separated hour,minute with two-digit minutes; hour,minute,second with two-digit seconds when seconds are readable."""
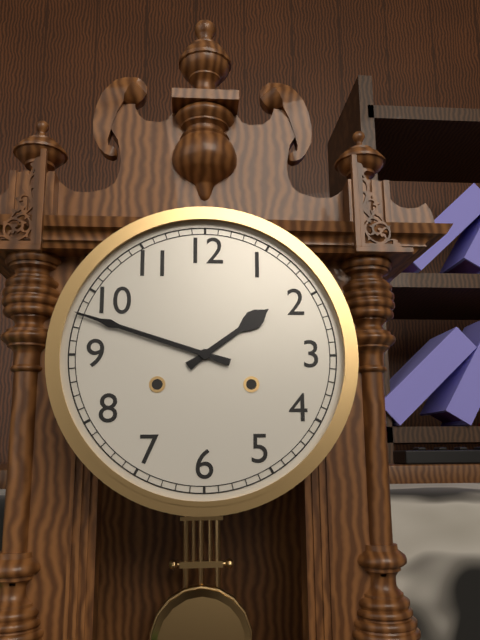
1,48
